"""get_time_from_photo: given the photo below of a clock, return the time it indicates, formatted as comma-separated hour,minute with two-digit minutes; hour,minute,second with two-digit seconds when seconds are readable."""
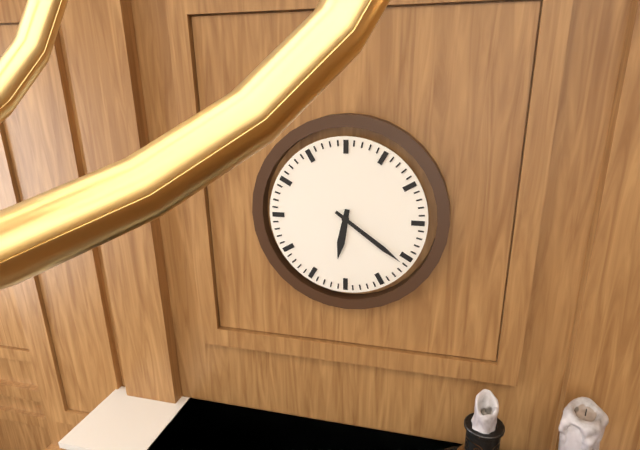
6,21
